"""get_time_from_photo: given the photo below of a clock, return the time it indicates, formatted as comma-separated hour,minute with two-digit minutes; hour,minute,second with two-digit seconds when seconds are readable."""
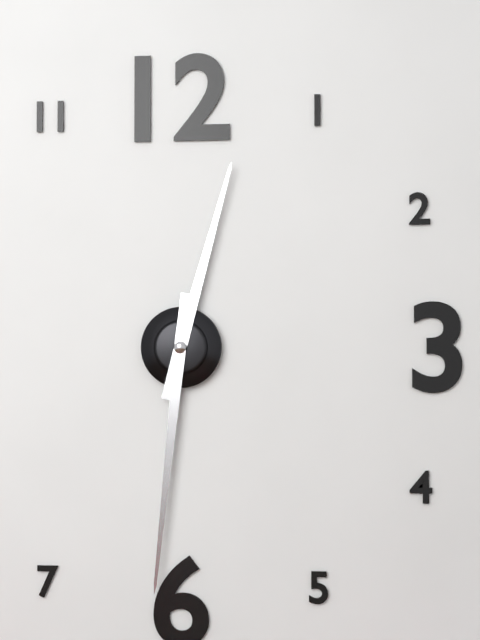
12,31
